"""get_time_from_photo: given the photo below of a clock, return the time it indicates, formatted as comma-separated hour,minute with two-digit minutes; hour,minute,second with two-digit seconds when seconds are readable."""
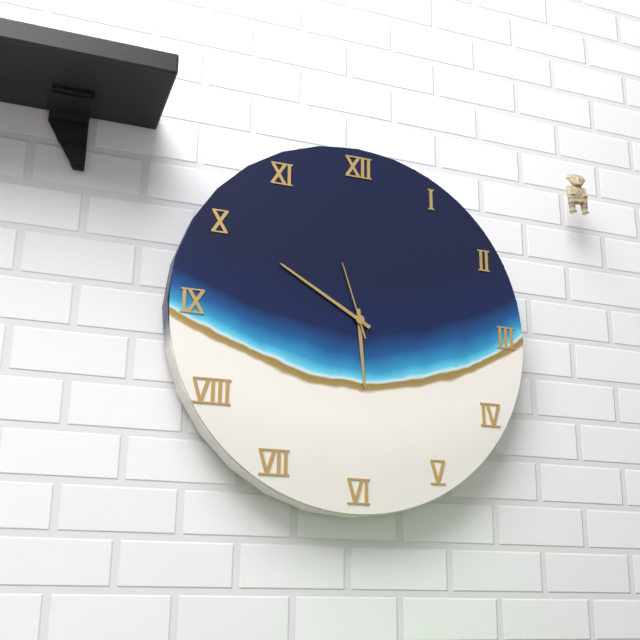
5,50,57
